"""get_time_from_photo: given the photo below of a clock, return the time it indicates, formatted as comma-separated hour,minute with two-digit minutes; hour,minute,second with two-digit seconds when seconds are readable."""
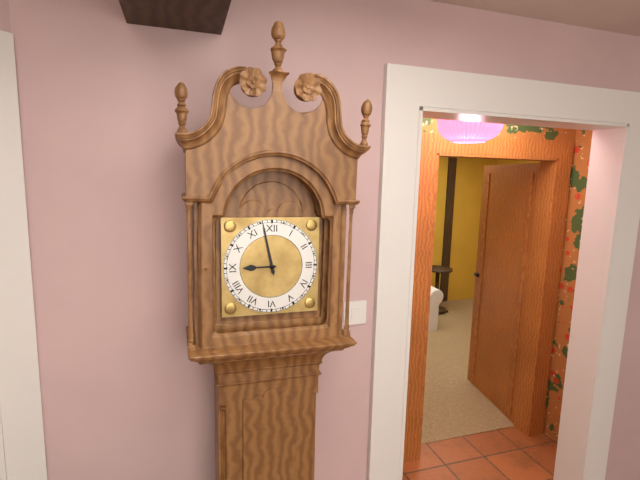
8,58
